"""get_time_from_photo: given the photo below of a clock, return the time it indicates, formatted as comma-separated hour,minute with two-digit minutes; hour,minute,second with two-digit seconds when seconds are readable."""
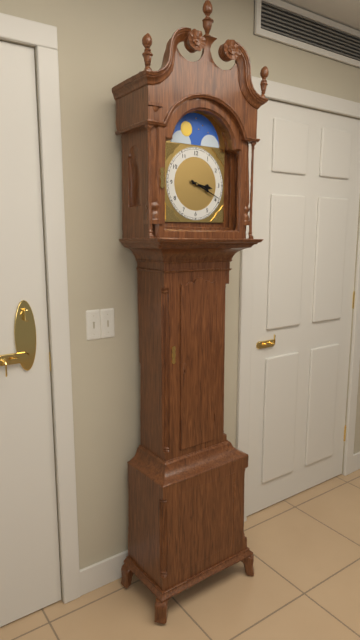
3,19
